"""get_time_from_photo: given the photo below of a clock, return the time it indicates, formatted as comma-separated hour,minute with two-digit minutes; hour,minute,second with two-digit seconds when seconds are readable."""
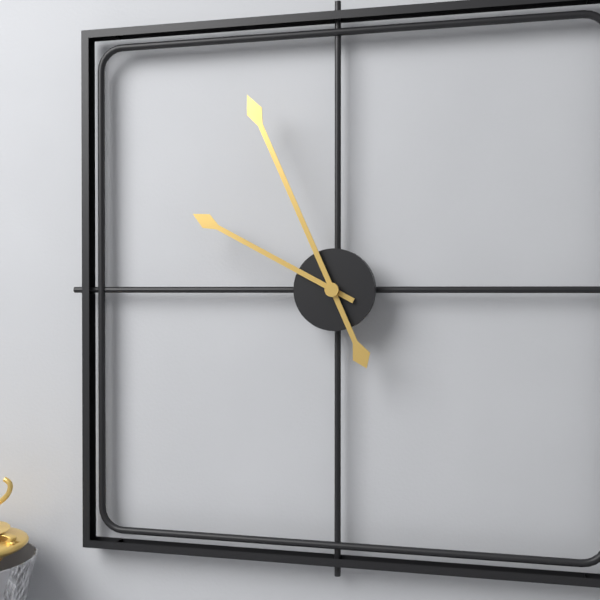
9,56
